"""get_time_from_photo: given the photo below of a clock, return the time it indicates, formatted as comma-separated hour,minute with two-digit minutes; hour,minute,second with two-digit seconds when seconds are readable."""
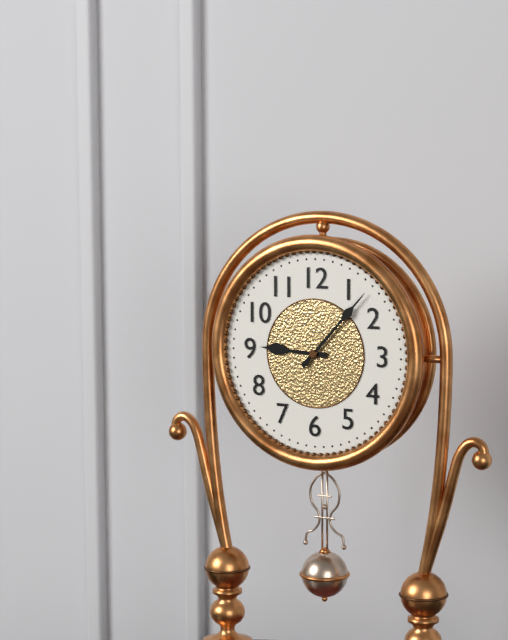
9,07
